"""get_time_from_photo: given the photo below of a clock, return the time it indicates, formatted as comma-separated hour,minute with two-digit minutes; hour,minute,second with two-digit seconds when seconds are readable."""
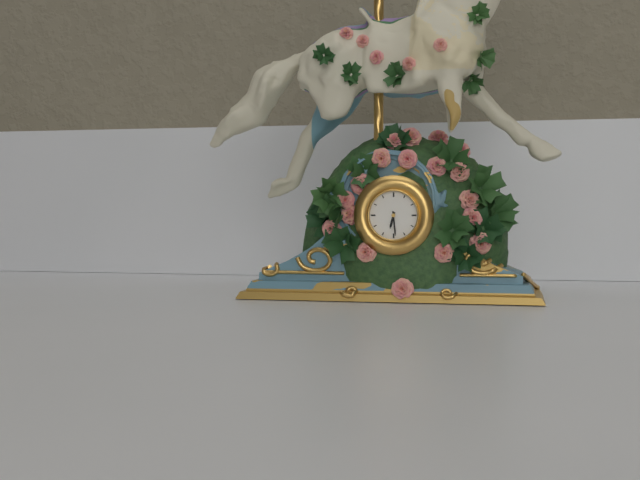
6,29
